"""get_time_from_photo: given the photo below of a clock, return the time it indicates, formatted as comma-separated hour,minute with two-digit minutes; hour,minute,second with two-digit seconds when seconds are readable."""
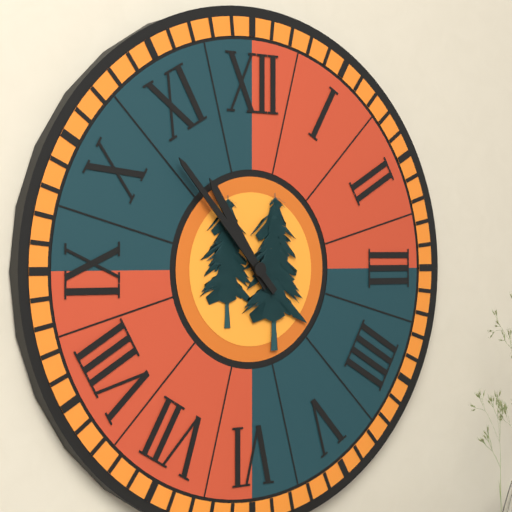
10,53
